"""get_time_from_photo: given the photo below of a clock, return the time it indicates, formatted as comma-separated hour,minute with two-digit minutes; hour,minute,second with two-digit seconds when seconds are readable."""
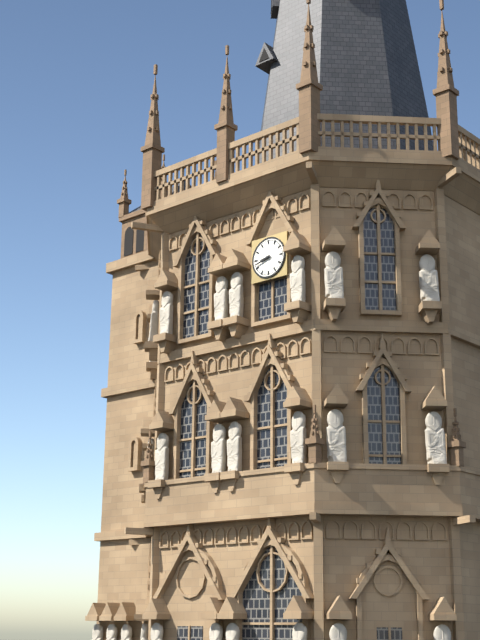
8,42
